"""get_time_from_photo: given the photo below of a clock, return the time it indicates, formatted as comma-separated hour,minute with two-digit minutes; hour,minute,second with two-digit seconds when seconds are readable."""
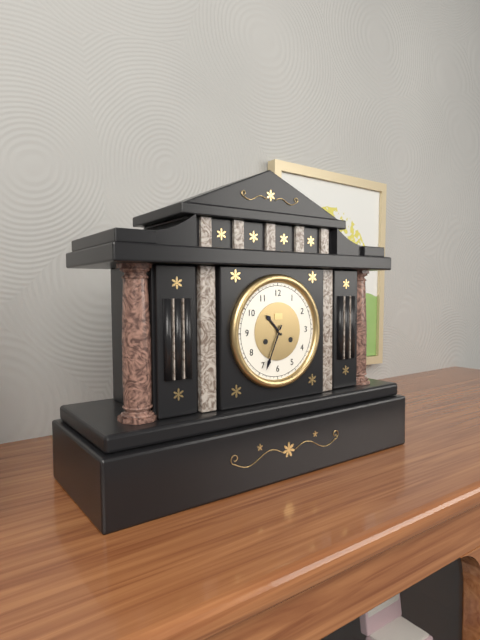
10,34
